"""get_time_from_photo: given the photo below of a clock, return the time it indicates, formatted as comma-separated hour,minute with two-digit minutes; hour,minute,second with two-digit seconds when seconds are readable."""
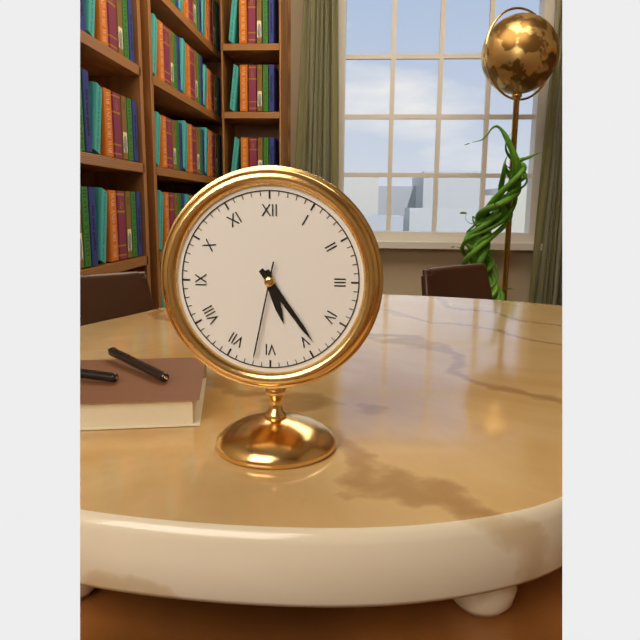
5,24,32
